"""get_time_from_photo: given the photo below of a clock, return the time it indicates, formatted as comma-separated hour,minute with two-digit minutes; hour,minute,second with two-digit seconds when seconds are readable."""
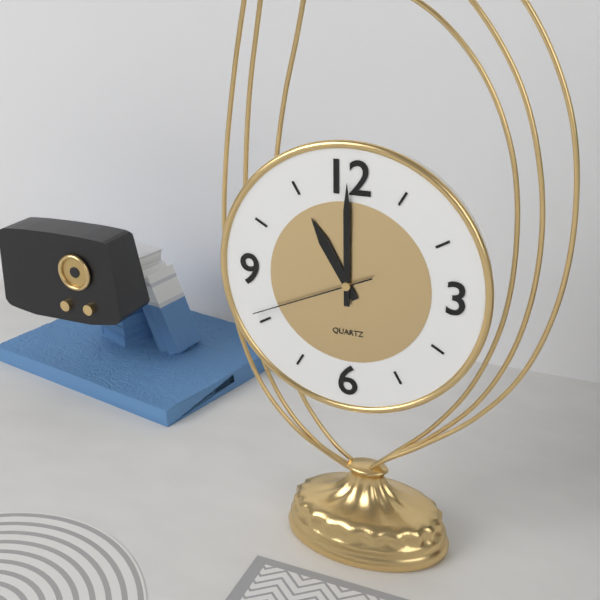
11,00,41
